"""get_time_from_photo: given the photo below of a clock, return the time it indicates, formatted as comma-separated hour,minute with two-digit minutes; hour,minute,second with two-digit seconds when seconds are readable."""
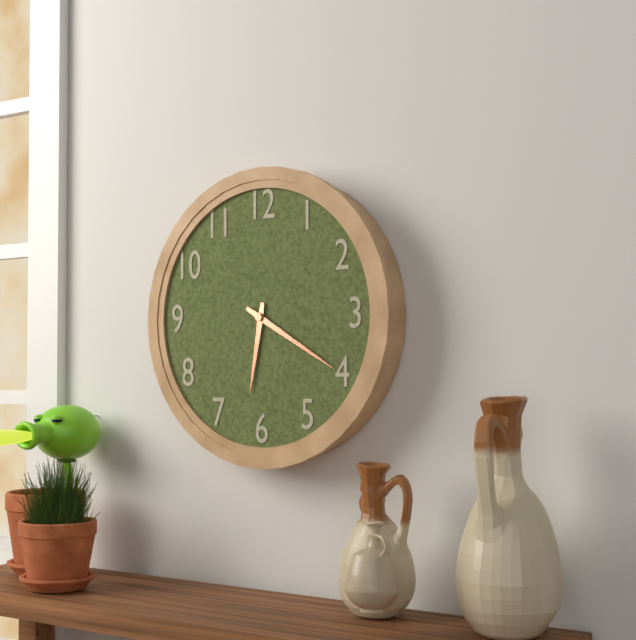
6,20
